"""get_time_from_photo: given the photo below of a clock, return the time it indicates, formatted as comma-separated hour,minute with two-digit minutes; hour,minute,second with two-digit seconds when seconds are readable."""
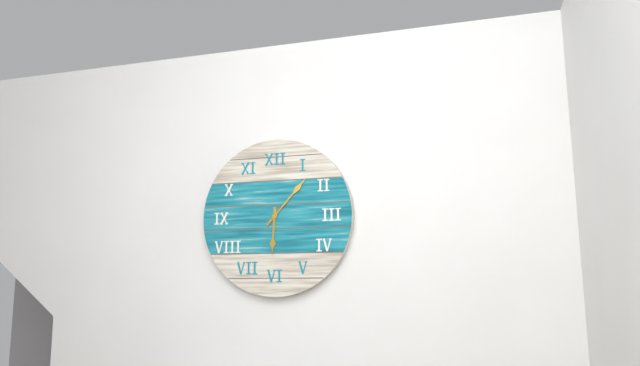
6,07
